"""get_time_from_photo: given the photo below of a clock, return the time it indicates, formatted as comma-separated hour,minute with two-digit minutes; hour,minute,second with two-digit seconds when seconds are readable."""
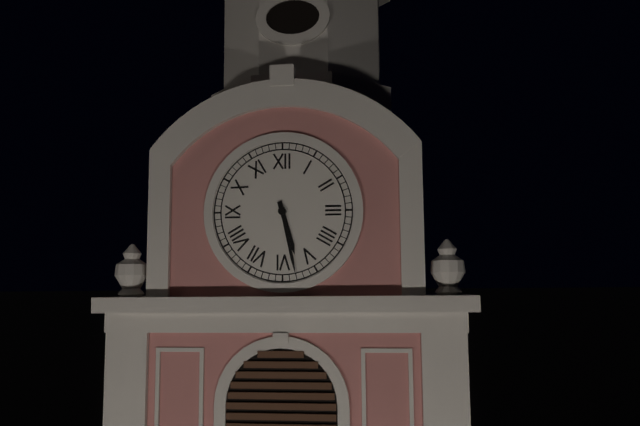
5,28
